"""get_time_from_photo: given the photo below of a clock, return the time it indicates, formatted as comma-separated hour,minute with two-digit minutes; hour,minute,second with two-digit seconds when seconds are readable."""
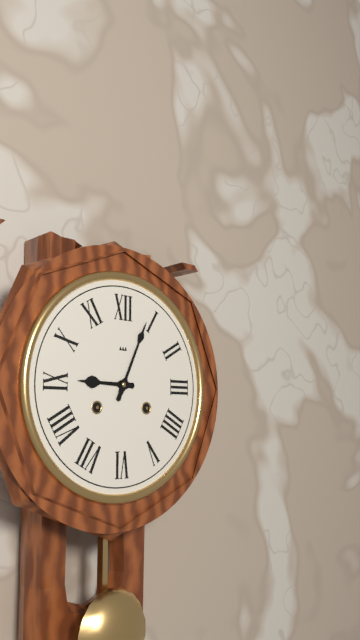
9,04
